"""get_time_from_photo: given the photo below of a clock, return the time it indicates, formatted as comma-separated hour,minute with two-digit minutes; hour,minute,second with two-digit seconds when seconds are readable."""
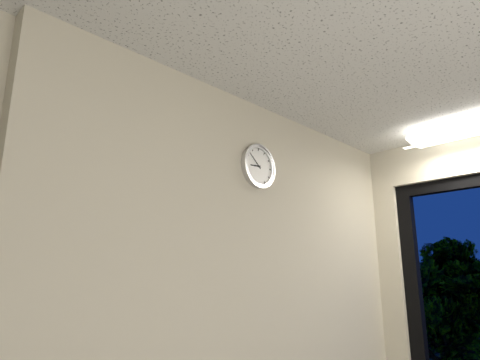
8,52
